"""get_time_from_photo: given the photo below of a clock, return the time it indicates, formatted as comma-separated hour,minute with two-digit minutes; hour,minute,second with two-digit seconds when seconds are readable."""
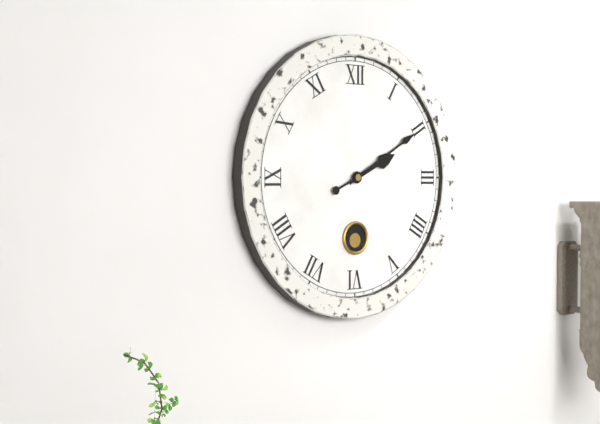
2,10
